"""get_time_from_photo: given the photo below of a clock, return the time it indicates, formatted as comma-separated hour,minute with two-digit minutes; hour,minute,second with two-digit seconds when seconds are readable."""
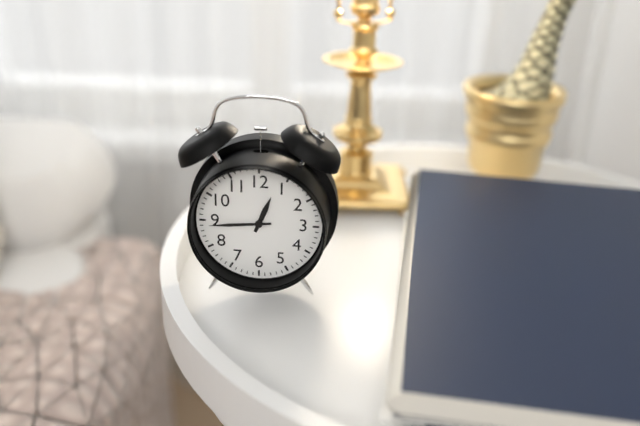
12,44
